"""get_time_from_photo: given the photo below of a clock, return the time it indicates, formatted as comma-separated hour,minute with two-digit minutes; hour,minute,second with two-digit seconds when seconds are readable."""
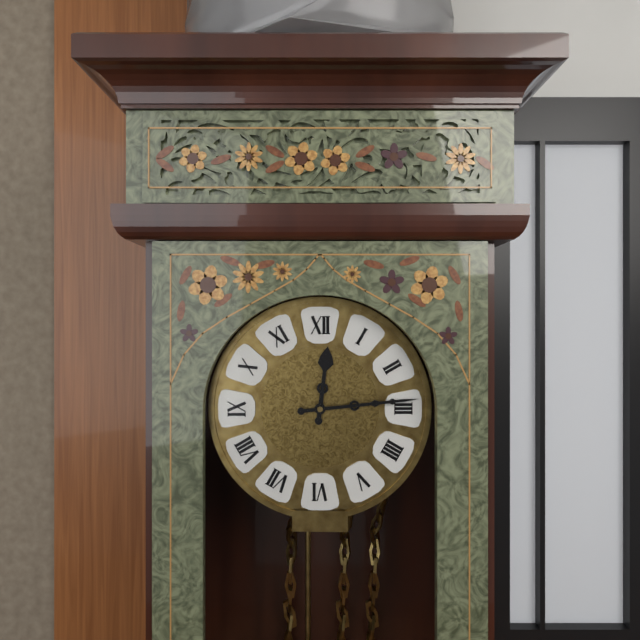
12,14
